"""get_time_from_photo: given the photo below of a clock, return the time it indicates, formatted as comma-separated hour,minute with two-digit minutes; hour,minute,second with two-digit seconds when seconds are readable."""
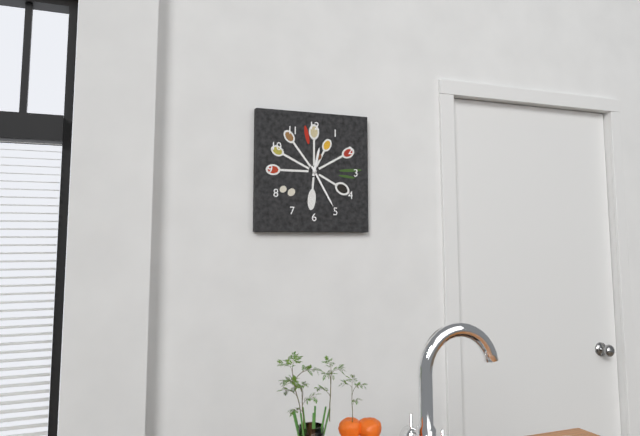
12,25
